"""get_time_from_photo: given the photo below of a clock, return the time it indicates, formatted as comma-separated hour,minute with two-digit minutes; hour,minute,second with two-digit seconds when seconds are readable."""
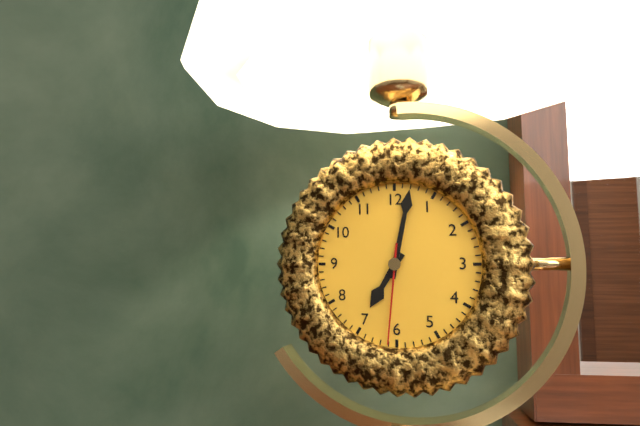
7,02,31
